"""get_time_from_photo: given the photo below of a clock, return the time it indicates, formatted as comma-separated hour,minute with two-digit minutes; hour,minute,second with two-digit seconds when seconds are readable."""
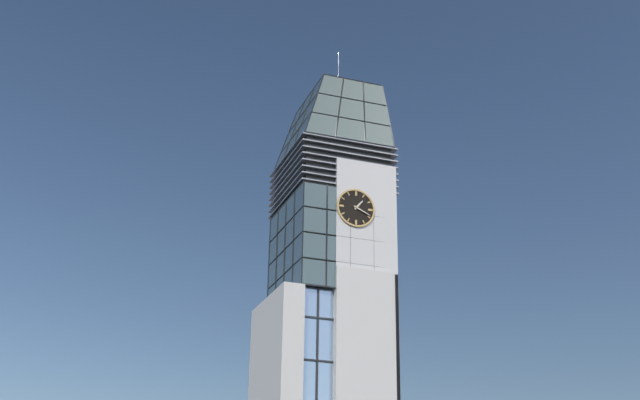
1,19
